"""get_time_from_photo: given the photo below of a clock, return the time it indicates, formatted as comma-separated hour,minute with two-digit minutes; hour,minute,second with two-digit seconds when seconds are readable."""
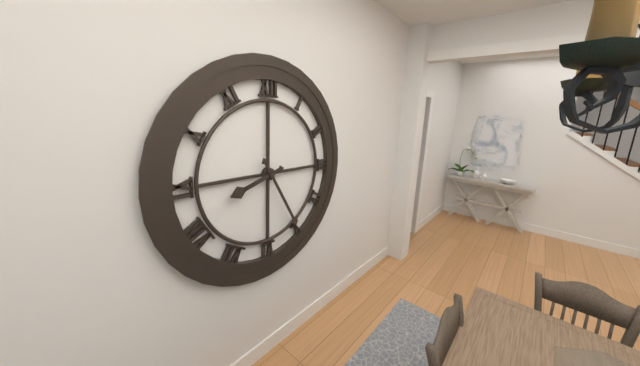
8,25
